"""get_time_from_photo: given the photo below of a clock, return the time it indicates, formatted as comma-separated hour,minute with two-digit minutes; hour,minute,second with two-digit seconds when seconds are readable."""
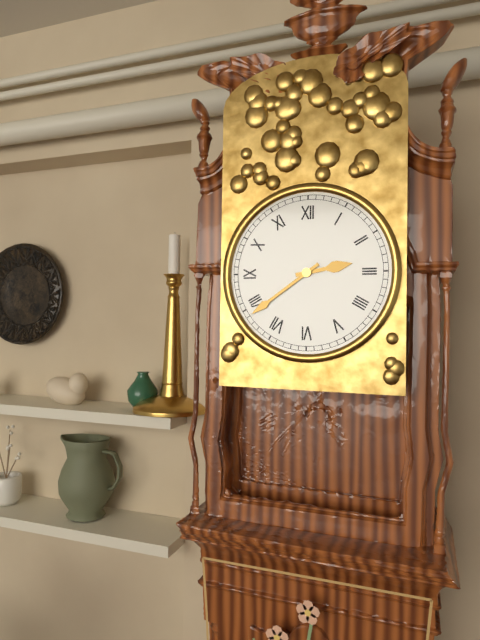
2,39
